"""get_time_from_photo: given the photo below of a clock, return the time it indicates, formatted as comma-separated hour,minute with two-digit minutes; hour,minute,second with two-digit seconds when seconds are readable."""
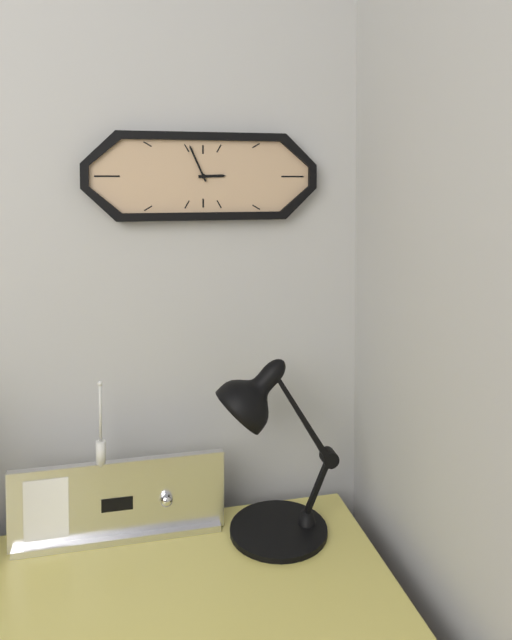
2,56
